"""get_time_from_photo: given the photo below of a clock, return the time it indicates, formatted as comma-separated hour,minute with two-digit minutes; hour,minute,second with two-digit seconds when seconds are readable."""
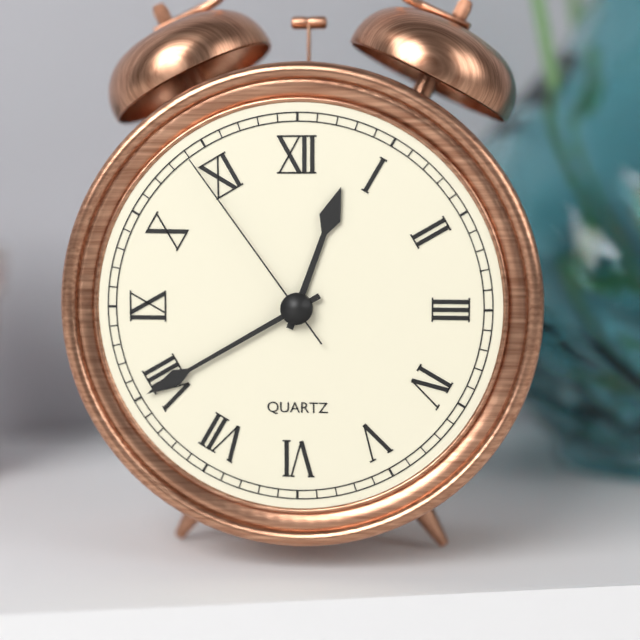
12,40,54
